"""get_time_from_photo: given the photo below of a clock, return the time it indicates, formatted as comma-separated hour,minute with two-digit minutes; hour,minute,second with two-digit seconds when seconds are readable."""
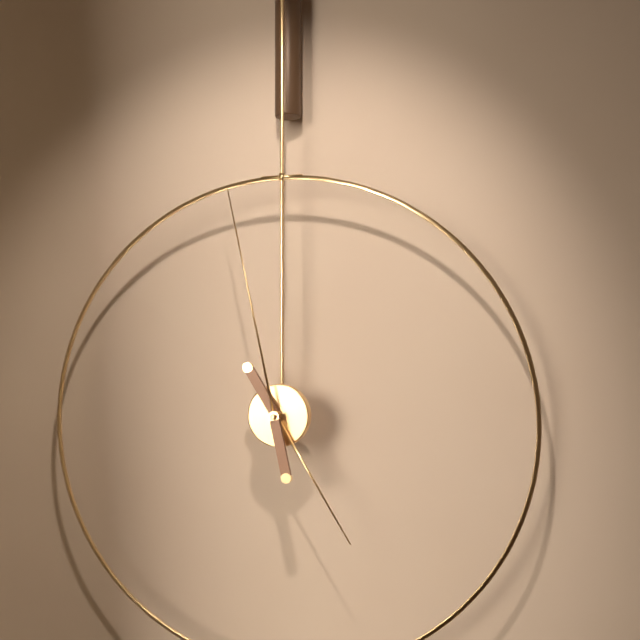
4,58
